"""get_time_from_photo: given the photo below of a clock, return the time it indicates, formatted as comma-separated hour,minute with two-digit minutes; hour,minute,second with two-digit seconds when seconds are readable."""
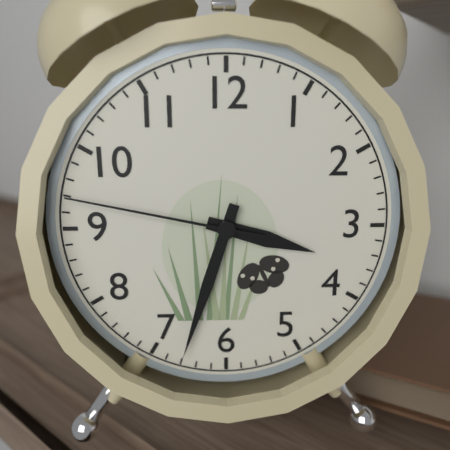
3,33,47
